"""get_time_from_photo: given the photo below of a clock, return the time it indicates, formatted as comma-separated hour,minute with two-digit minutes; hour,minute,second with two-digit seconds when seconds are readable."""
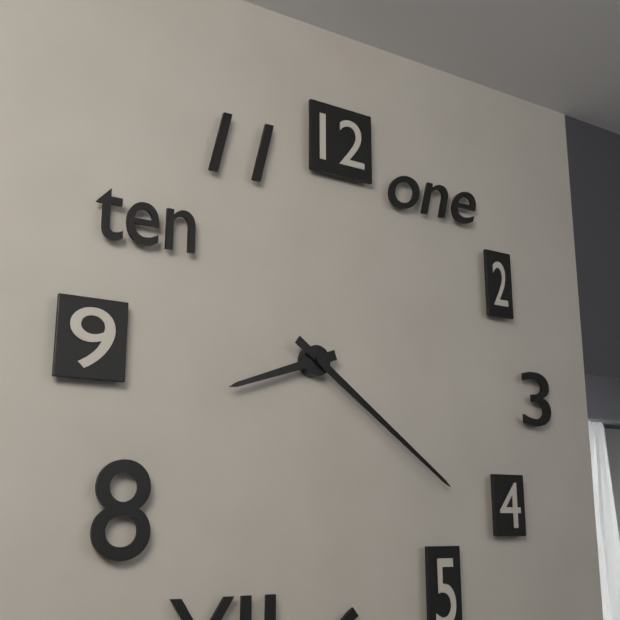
8,21
